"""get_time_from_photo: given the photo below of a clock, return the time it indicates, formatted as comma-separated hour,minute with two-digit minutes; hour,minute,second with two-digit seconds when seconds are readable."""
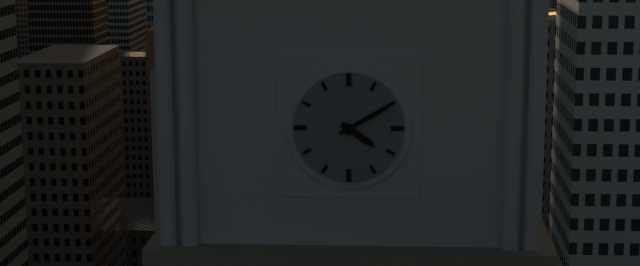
4,10
